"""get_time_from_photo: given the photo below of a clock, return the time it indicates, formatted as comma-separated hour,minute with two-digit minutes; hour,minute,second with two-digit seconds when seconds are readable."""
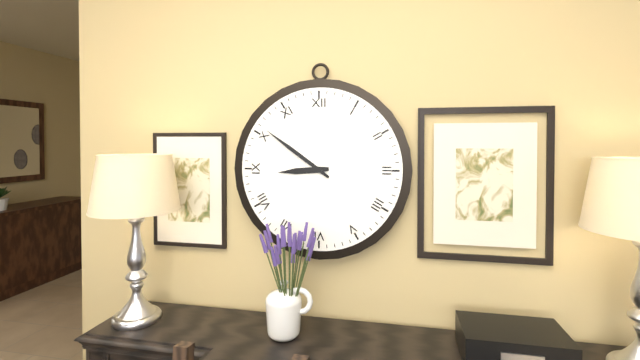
8,51
